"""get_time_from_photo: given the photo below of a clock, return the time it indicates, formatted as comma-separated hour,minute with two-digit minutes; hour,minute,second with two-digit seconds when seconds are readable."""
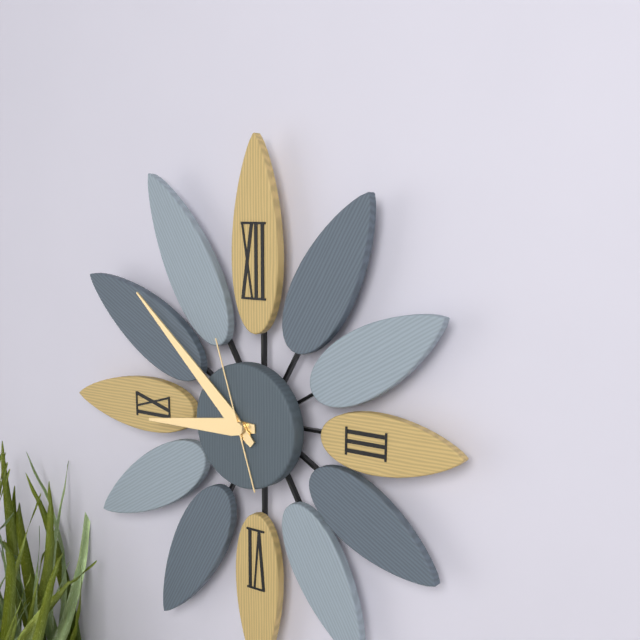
8,52,57
